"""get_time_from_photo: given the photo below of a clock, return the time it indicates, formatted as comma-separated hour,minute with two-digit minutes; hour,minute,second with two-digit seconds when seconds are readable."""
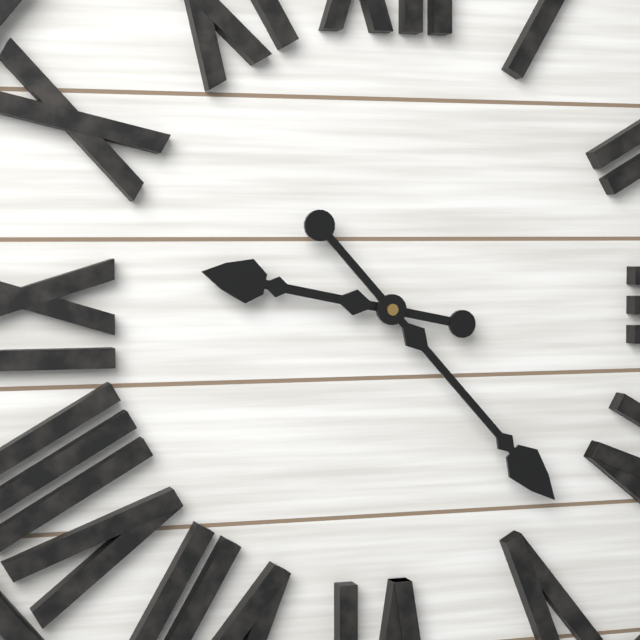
9,23
